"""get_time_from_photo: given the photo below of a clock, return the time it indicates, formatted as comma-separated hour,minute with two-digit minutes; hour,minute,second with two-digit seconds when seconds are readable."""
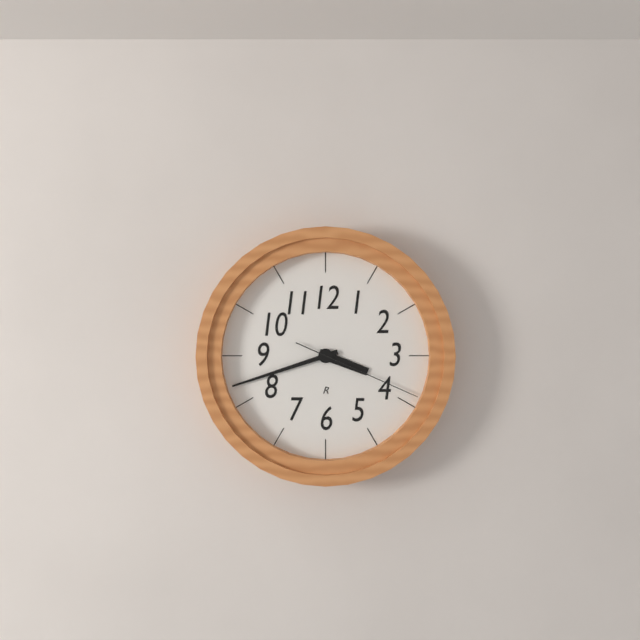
3,42,19
